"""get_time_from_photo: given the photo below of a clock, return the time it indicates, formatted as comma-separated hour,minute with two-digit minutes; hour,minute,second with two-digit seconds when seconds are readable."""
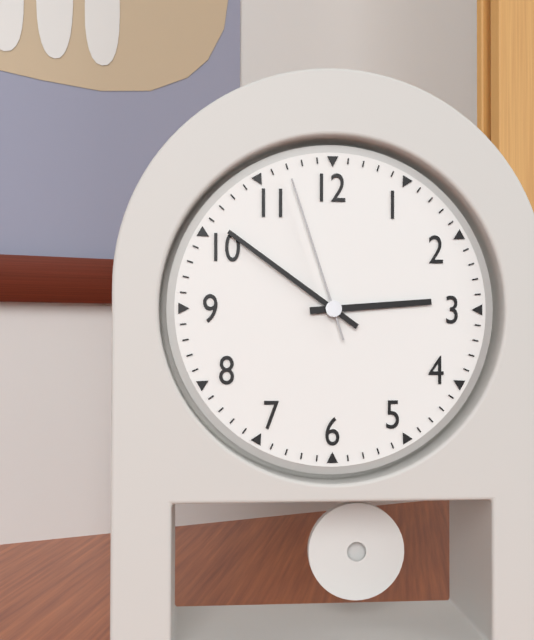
2,51,57
